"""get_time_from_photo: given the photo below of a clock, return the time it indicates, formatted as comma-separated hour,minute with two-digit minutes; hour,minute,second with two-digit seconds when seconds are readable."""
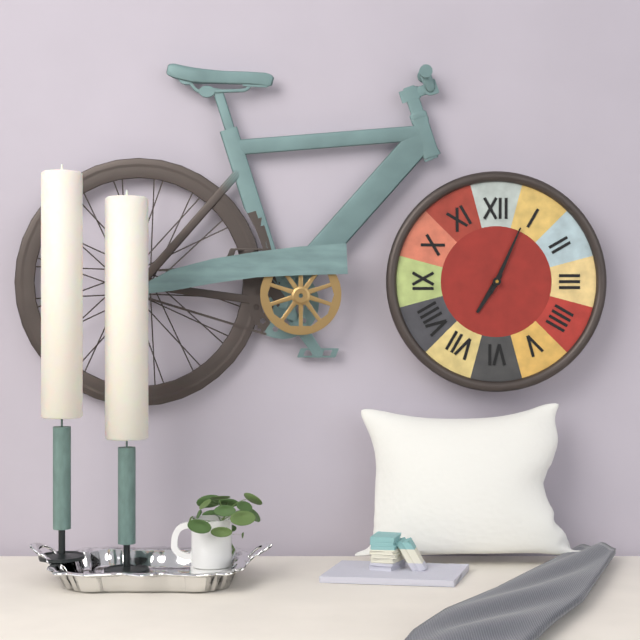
7,04
